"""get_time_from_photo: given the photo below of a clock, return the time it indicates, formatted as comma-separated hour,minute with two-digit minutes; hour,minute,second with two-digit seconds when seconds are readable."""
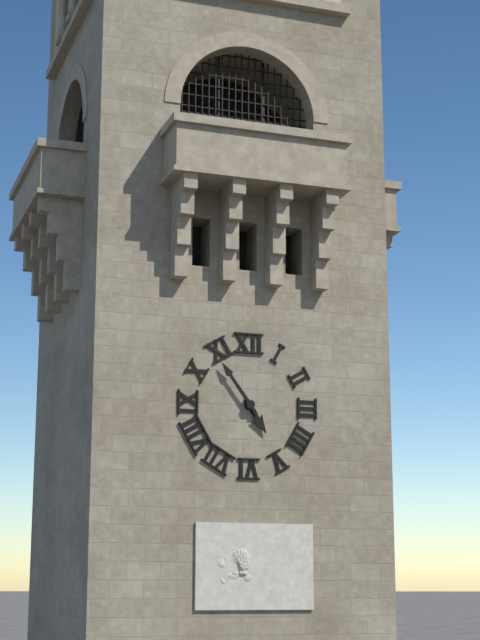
4,54
